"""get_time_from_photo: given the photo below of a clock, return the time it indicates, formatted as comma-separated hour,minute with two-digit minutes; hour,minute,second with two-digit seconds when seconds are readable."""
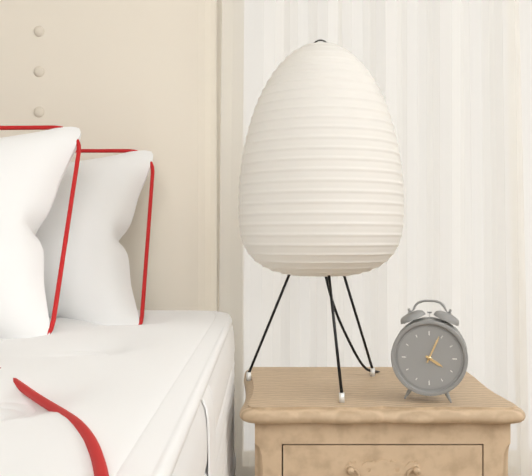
4,04
